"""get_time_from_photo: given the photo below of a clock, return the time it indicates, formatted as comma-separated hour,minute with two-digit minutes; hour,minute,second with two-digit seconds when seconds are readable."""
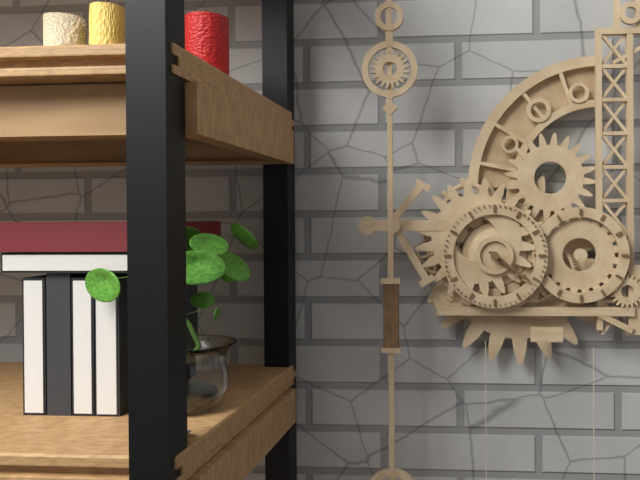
4,21
